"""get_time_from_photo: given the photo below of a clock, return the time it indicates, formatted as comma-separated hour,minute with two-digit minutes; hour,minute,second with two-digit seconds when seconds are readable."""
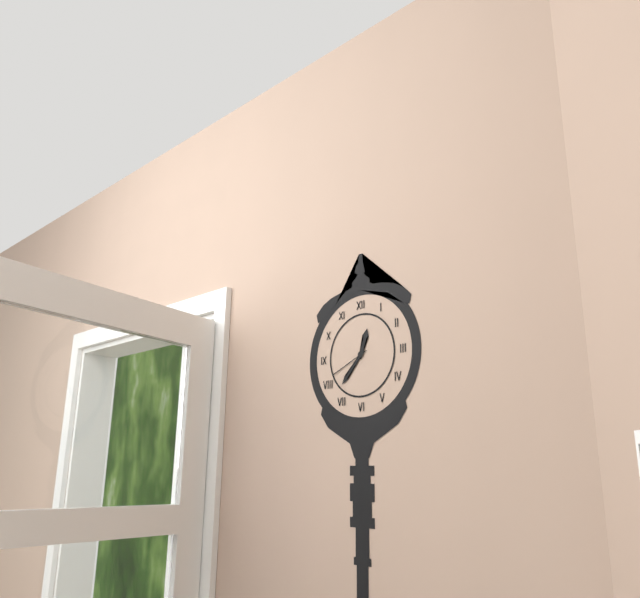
12,37
